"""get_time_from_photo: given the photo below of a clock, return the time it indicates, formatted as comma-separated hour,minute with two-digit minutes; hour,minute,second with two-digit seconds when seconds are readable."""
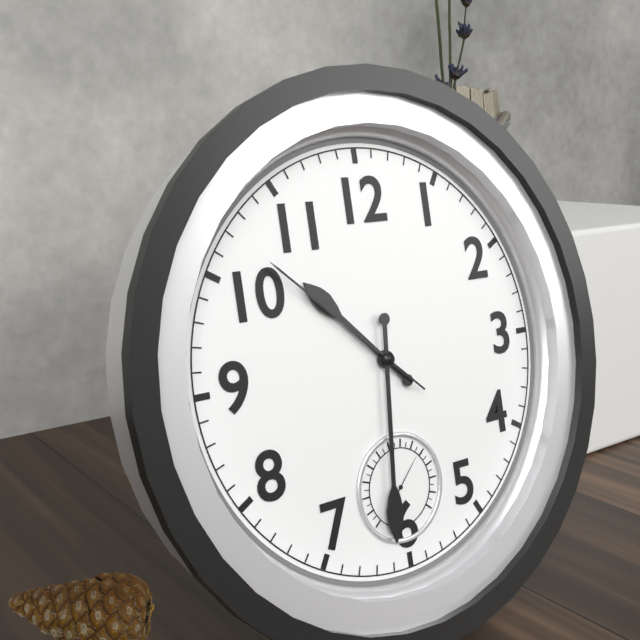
10,31,52
